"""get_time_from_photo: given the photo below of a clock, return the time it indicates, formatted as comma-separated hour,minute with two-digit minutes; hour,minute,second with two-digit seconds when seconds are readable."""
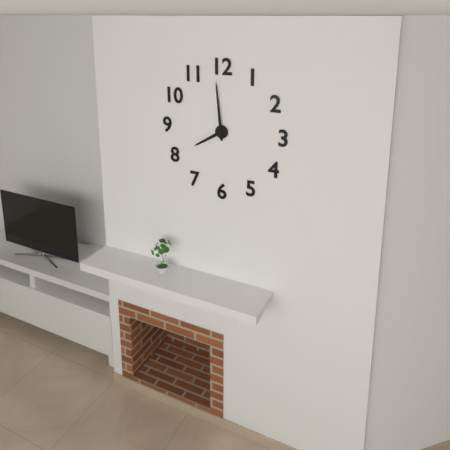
7,59
